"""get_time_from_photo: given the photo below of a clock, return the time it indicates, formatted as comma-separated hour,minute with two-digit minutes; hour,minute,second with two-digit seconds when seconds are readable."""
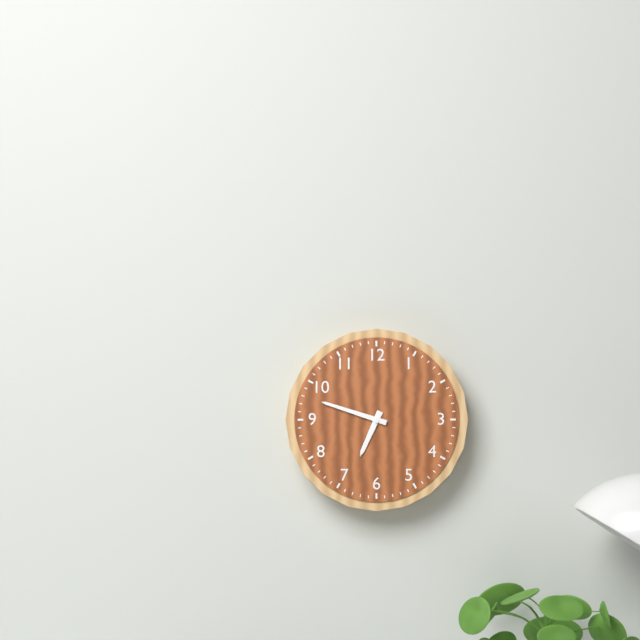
6,48
